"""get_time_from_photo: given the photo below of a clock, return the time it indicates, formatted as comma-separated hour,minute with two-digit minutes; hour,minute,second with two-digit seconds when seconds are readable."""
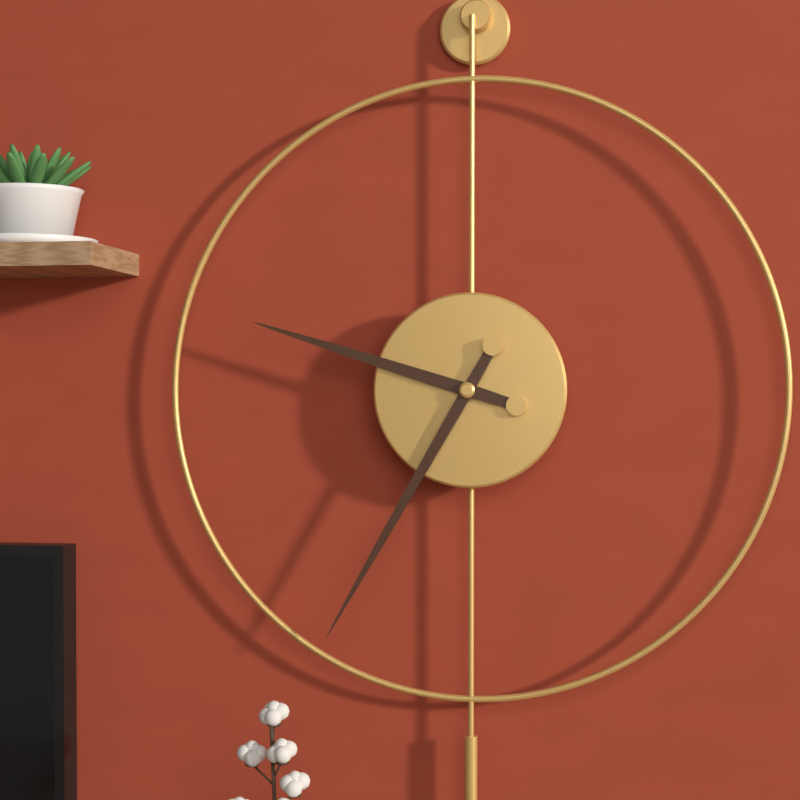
9,35
